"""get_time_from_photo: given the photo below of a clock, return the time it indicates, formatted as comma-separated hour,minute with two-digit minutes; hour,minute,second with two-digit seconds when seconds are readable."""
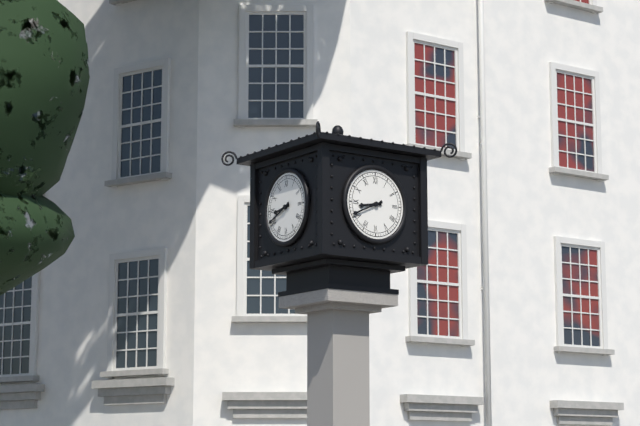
8,41
